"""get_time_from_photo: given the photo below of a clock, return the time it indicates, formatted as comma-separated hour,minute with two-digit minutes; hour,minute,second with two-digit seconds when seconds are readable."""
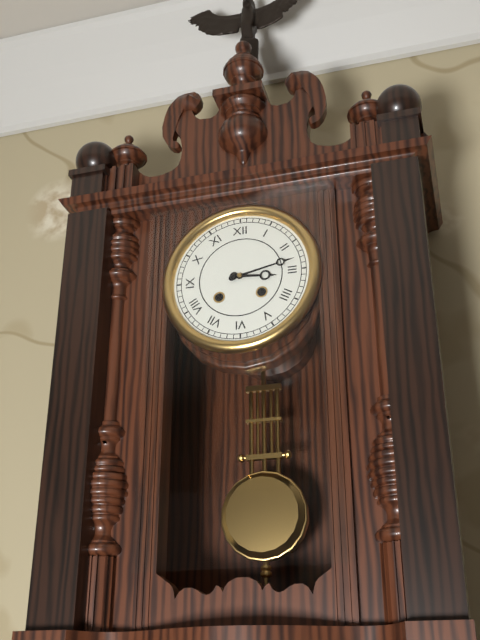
3,13
